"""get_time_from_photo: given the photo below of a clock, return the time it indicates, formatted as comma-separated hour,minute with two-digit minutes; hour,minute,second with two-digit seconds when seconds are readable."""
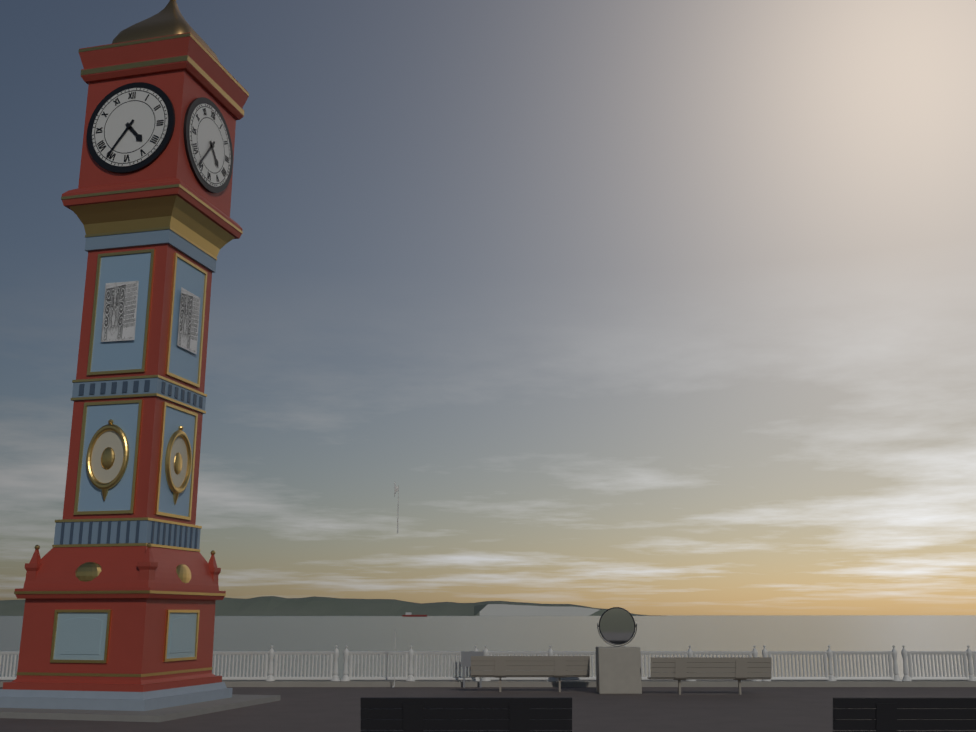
4,36
